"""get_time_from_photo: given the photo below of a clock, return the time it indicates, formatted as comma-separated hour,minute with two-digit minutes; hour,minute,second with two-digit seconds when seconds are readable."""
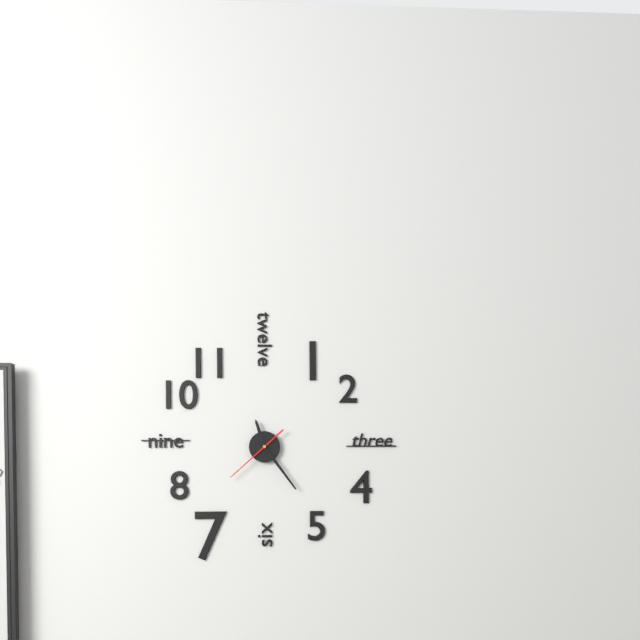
11,24,38
